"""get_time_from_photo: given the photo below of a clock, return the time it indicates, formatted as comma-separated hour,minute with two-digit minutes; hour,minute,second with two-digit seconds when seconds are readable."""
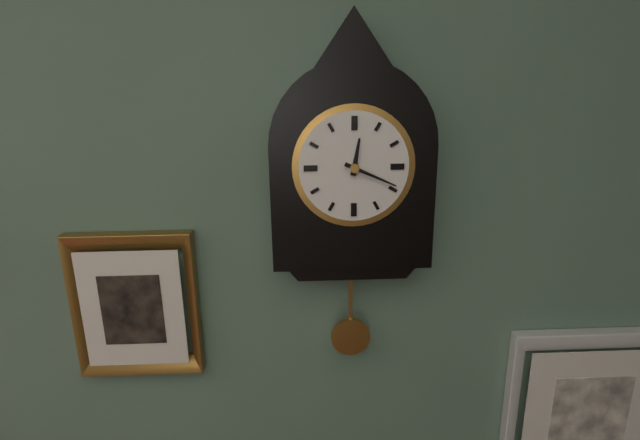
12,19
